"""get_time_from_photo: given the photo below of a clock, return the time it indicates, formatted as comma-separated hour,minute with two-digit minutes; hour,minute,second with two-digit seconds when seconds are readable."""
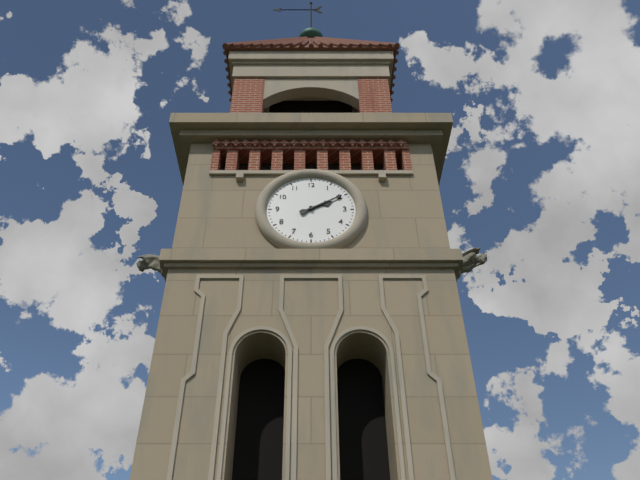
2,10
